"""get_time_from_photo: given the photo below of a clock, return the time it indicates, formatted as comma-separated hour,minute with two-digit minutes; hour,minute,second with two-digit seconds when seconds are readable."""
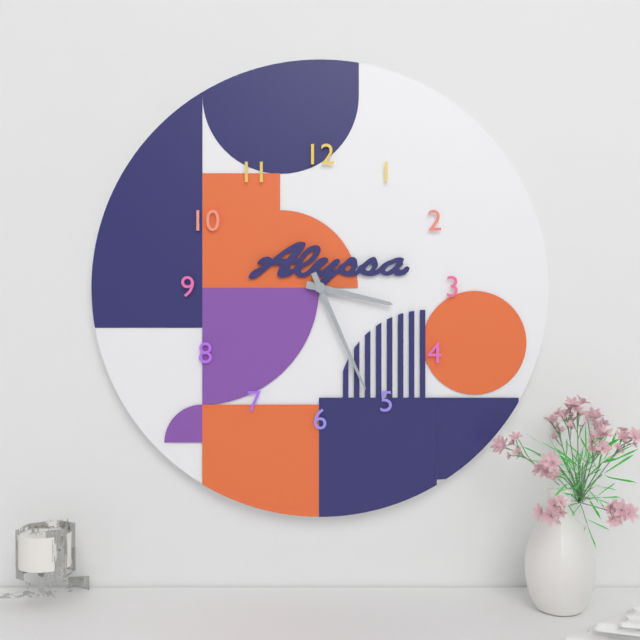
3,26
